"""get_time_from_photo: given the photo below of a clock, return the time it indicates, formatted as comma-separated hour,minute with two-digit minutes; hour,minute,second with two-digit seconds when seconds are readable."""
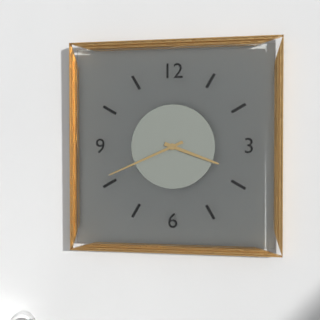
3,41
